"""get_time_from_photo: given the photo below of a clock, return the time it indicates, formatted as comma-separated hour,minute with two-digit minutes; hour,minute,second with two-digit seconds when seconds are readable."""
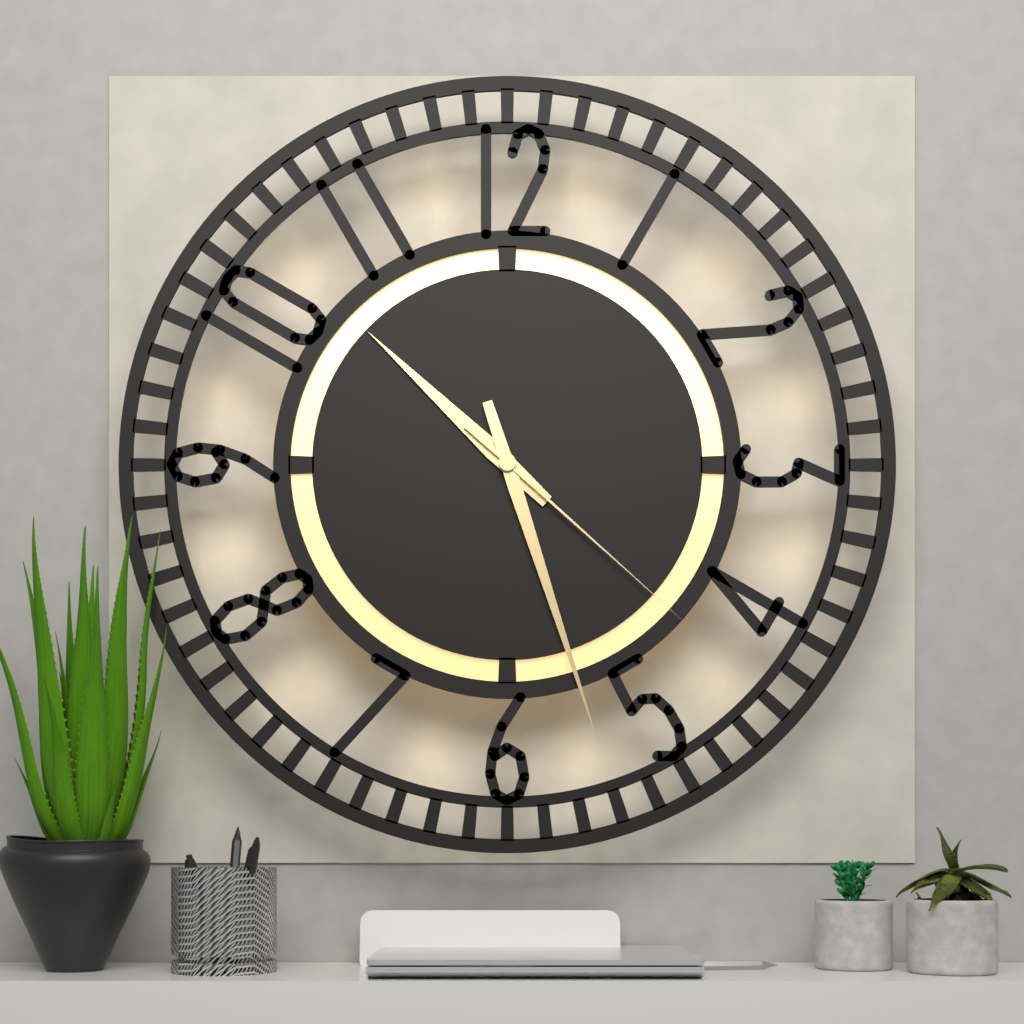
10,27,22
